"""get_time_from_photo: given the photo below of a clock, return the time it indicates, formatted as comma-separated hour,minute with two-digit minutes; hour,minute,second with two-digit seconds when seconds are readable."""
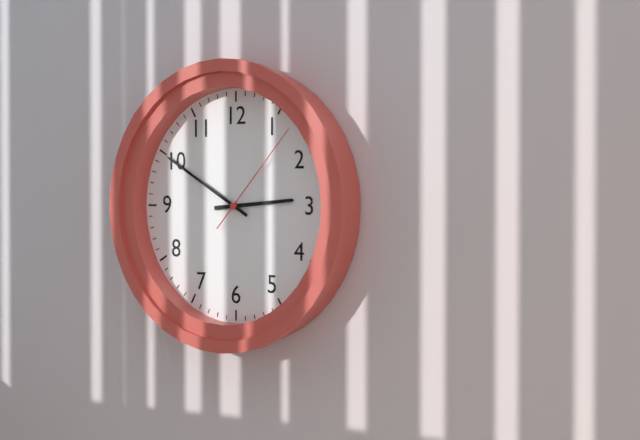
2,50,07
